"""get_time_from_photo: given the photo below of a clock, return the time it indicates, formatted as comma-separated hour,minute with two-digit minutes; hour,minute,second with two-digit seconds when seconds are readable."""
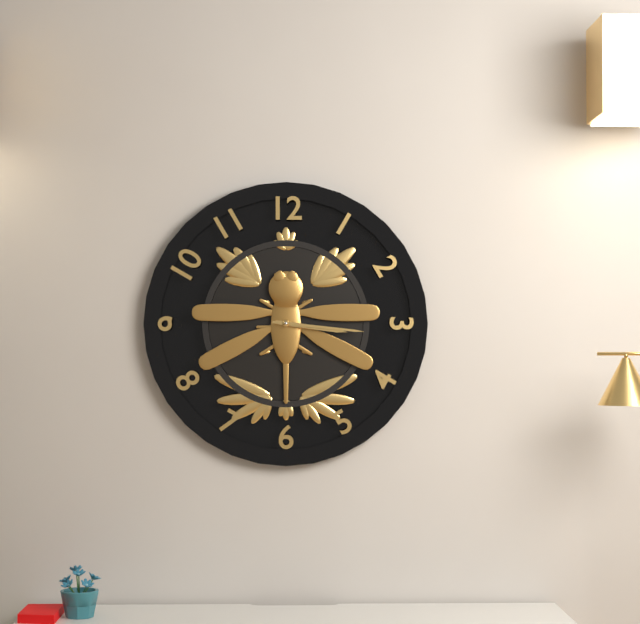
3,16
